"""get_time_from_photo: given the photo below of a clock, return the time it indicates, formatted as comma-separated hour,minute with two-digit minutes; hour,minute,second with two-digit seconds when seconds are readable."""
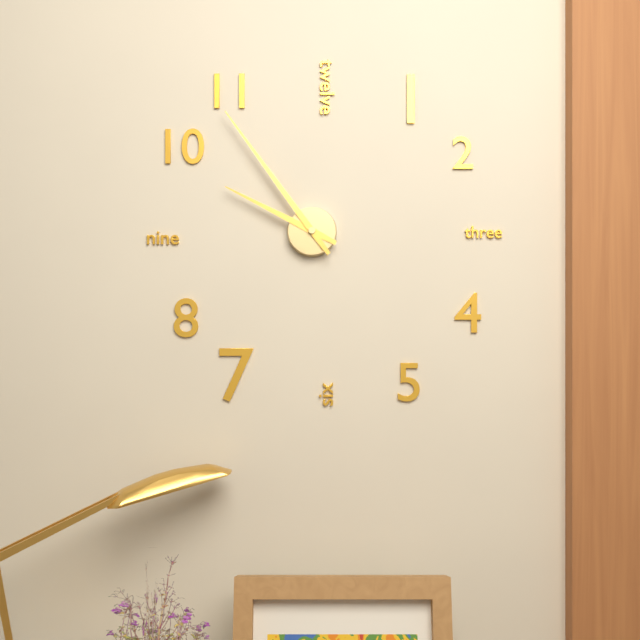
9,54
